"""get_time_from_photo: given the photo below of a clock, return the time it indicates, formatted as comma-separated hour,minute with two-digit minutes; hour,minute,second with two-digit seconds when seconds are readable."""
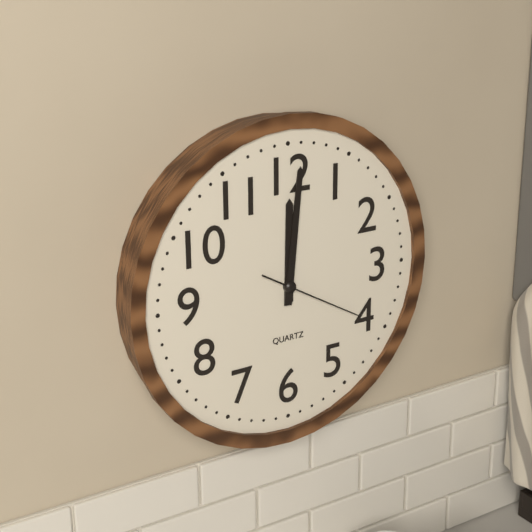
12,01,20
